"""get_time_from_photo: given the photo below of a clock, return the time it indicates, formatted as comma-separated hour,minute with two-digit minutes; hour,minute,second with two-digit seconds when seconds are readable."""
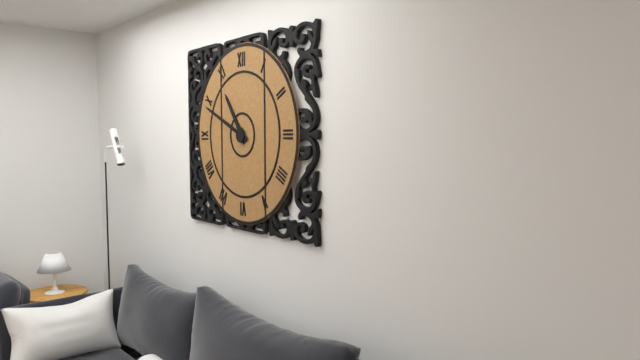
10,49
